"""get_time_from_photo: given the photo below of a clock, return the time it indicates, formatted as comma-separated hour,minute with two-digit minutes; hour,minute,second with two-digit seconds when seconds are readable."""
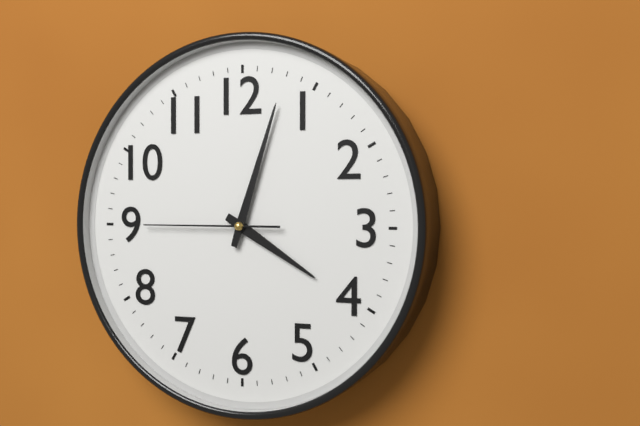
4,03,45
